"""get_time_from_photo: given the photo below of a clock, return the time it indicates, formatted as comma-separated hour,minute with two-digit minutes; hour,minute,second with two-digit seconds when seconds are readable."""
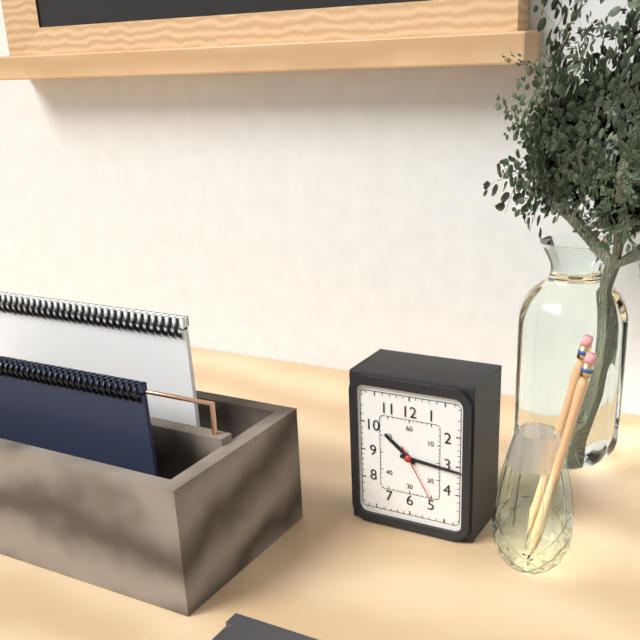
10,16,25
